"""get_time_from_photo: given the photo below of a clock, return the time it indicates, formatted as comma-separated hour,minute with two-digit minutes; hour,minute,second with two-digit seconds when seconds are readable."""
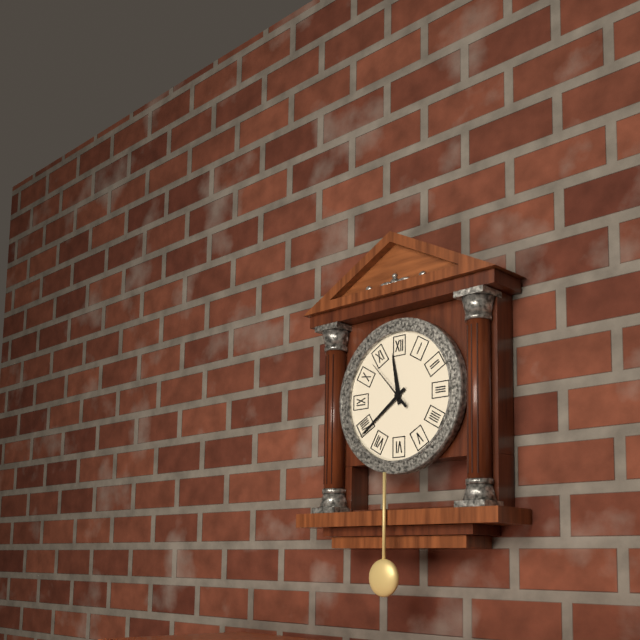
11,39,53
